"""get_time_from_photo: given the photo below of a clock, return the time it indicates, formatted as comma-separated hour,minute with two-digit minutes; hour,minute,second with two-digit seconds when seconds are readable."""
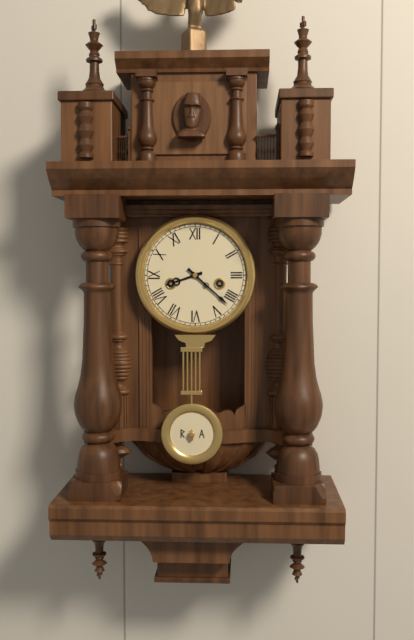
8,22
